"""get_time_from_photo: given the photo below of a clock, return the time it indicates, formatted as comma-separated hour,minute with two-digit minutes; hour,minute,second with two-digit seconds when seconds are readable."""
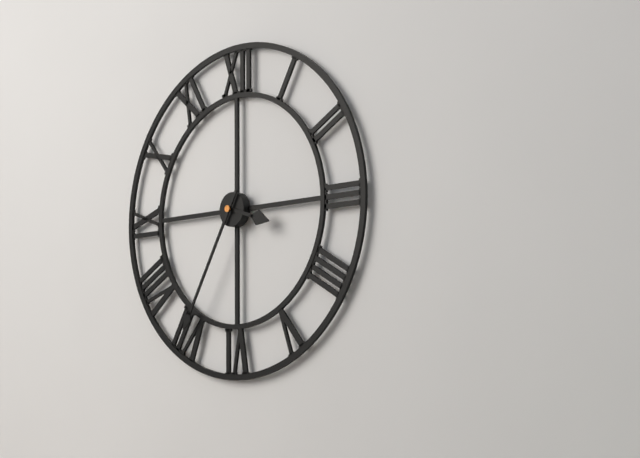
3,35
